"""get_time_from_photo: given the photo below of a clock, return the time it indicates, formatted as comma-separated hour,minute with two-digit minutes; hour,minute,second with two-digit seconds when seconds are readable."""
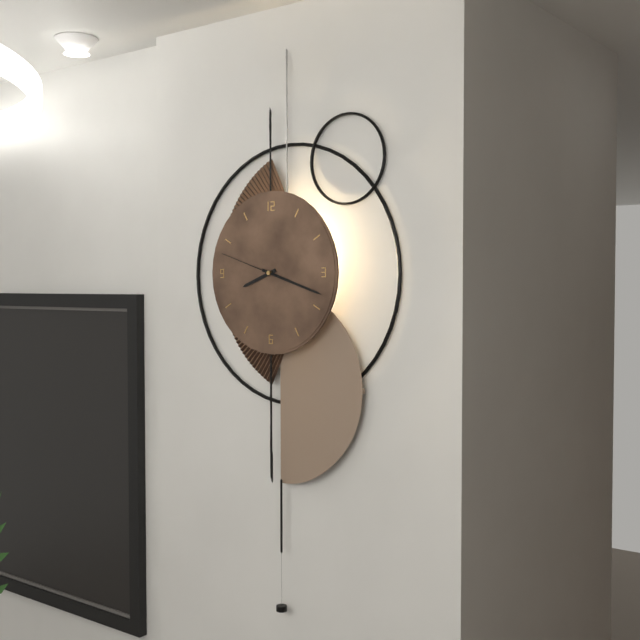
8,18,48
